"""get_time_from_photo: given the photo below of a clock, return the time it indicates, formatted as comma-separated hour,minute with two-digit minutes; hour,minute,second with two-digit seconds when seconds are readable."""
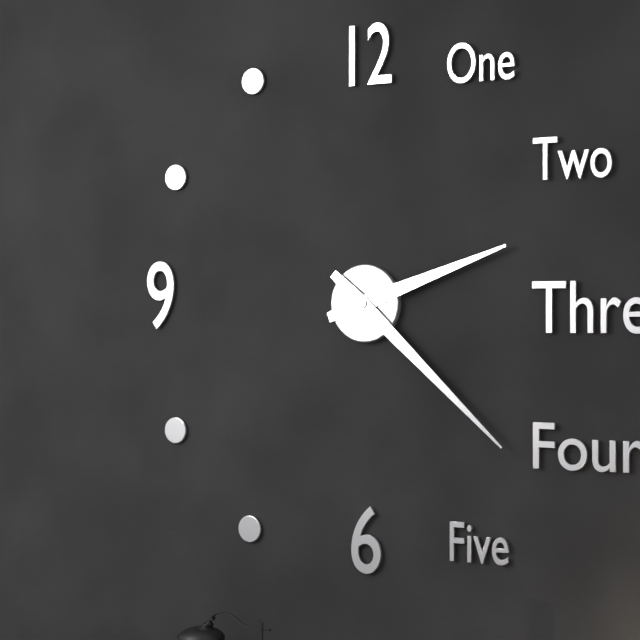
2,22
